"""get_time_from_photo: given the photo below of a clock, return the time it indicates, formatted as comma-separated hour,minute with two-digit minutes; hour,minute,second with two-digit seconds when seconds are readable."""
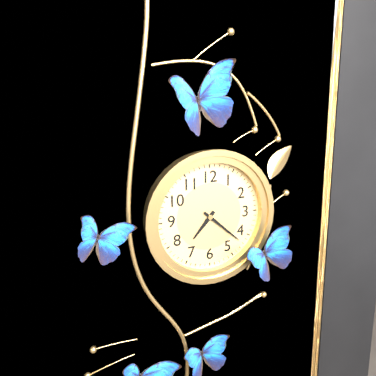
7,22
